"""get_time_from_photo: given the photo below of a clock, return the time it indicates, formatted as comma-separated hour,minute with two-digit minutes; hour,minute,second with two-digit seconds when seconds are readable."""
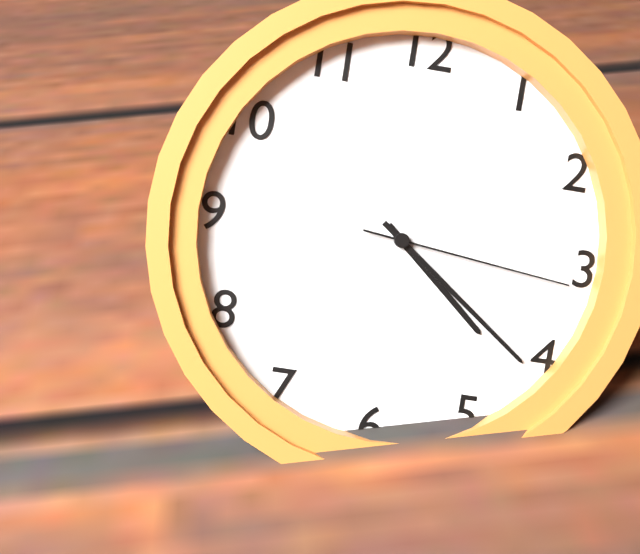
4,21,16
